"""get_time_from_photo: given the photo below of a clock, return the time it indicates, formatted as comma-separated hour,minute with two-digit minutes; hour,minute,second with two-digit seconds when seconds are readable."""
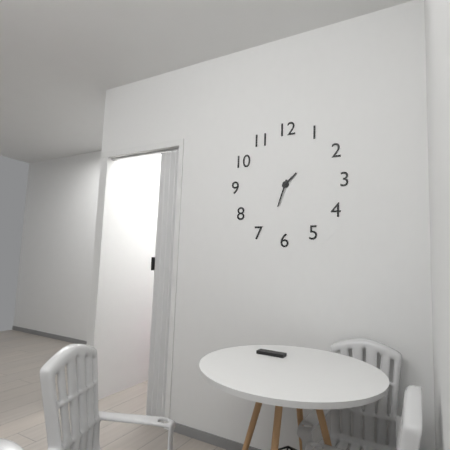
1,33
